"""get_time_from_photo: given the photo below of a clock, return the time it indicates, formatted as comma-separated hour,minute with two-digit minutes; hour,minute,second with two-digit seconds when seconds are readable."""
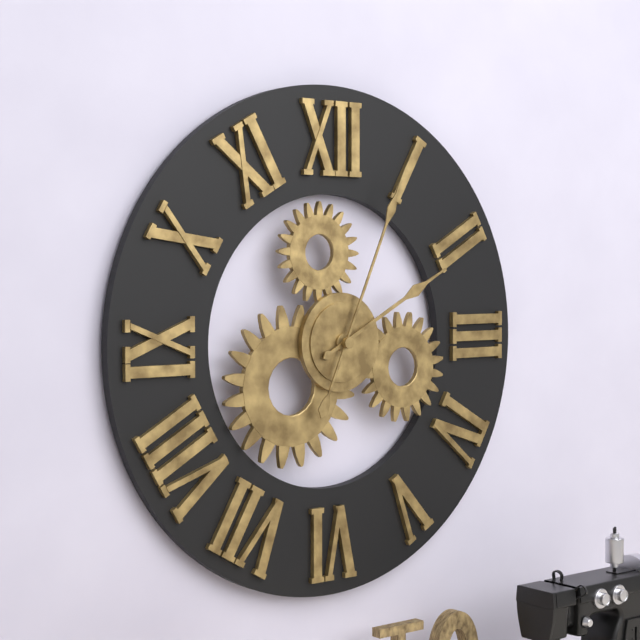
2,04
